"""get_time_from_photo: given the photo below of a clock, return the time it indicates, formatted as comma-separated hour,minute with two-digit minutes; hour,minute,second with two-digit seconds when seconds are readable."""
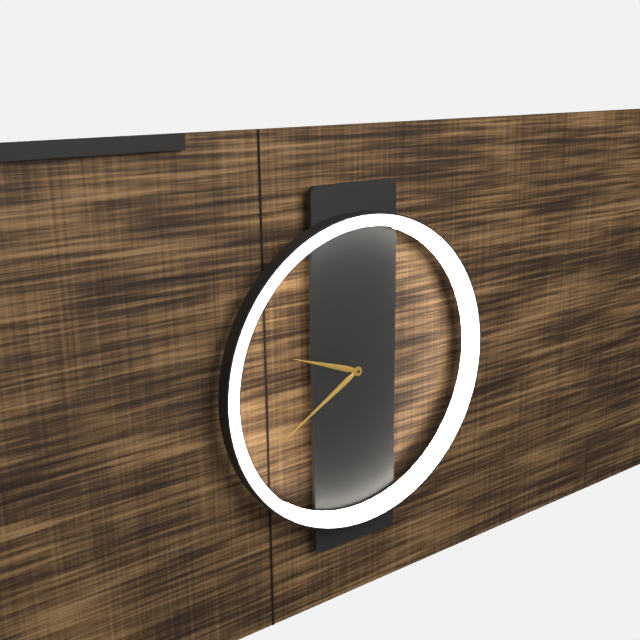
9,40
